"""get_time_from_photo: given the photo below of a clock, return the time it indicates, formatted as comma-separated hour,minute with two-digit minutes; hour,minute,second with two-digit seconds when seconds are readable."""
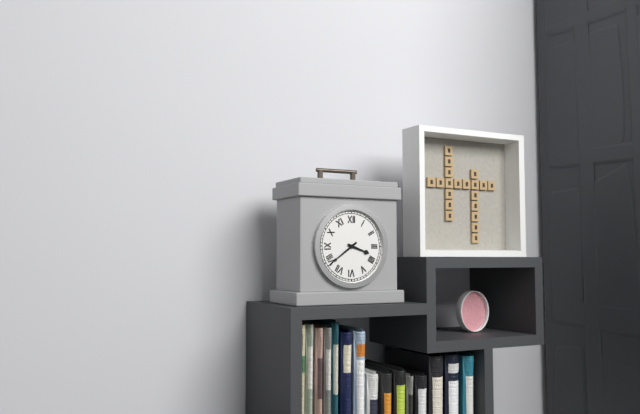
3,39
